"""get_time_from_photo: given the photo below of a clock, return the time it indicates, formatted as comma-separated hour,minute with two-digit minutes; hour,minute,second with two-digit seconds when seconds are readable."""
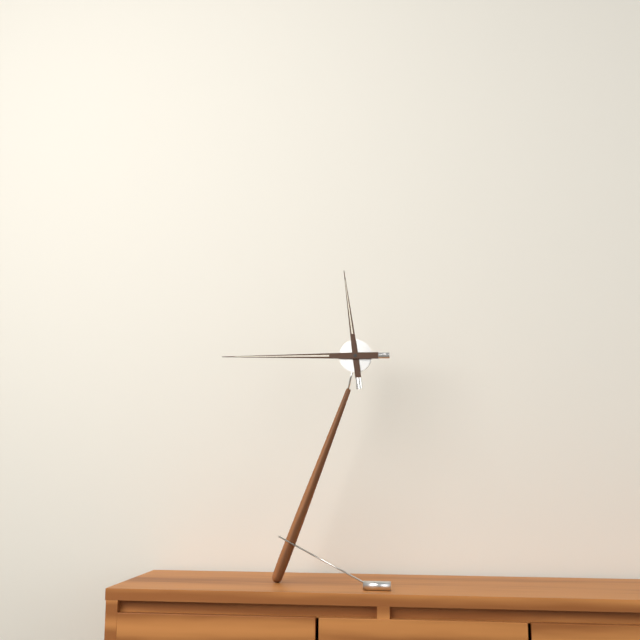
11,45
